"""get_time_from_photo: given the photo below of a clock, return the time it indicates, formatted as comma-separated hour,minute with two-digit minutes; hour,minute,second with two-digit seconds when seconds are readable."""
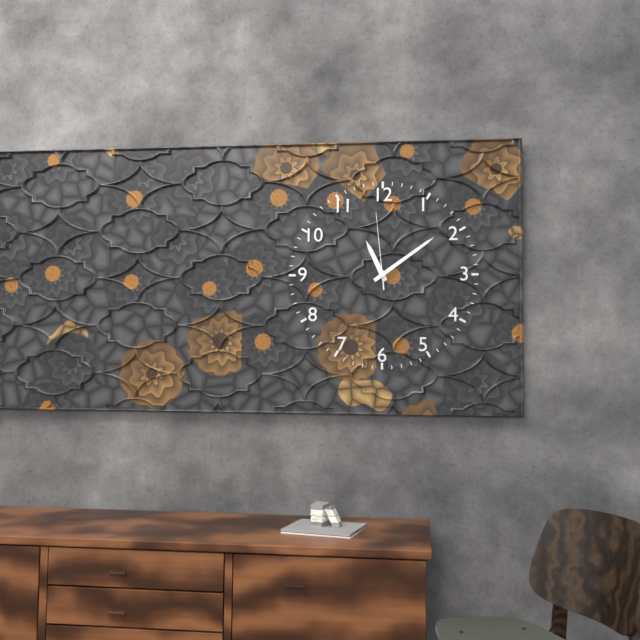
11,09,59
